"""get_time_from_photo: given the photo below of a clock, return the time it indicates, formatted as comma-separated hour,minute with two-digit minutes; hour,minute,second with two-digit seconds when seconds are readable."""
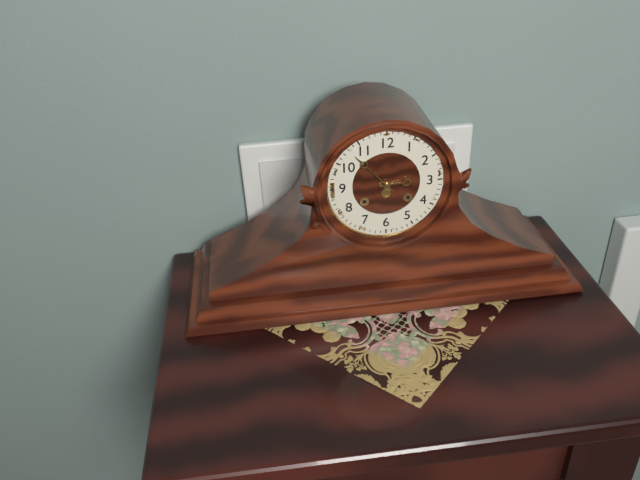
2,53
